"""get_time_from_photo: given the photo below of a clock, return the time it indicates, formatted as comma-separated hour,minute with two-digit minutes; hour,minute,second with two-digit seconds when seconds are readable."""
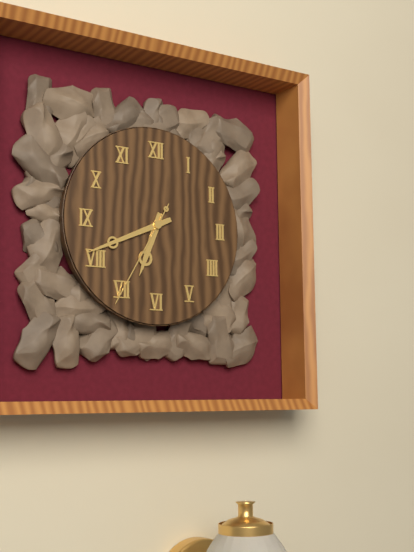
6,41,35
